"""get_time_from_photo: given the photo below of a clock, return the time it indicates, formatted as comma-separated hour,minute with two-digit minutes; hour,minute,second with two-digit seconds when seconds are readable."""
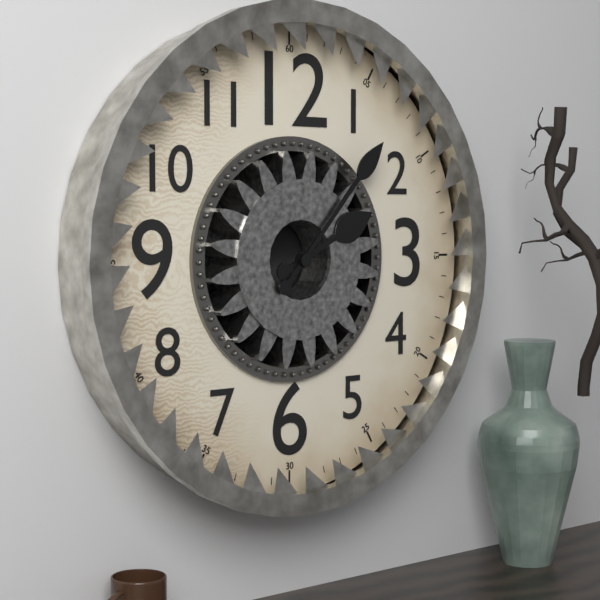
2,07
